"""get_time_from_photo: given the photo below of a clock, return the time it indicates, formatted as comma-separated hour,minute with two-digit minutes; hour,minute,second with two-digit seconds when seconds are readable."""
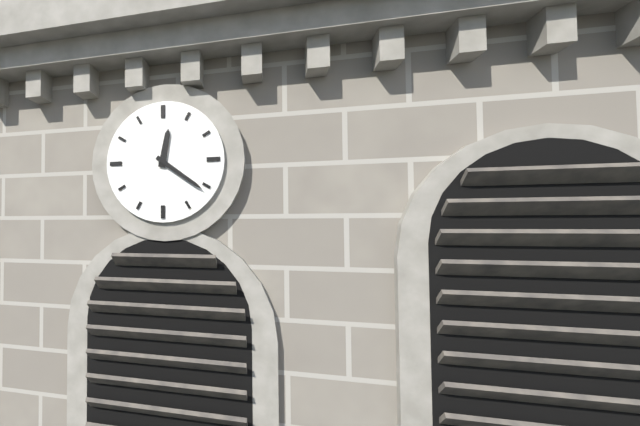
12,21
